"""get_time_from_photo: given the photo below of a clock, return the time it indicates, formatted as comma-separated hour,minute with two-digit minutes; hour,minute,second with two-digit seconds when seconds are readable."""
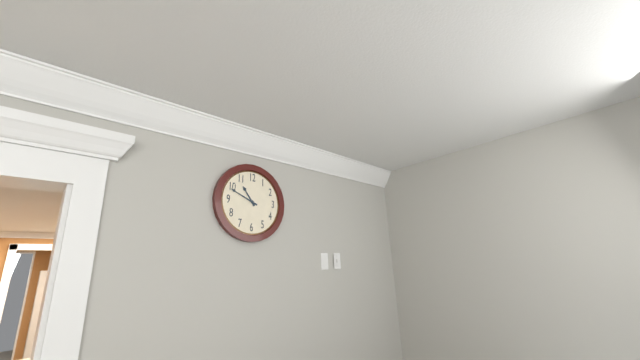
10,49
